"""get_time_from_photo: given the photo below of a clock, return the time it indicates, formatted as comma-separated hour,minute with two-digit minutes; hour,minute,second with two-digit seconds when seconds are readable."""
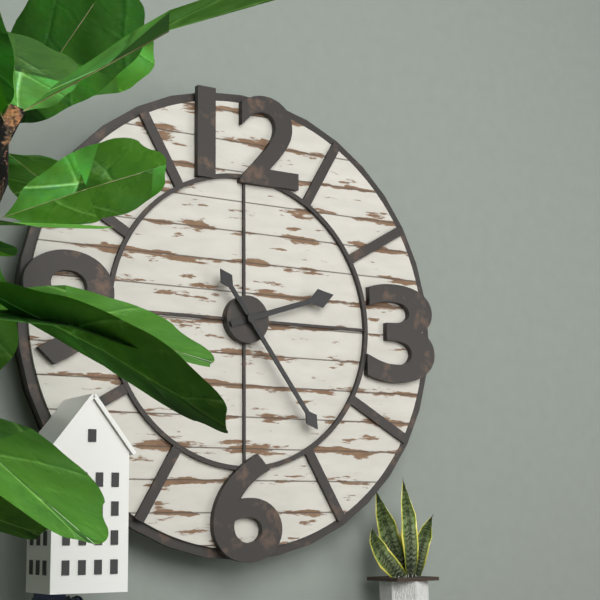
2,24
